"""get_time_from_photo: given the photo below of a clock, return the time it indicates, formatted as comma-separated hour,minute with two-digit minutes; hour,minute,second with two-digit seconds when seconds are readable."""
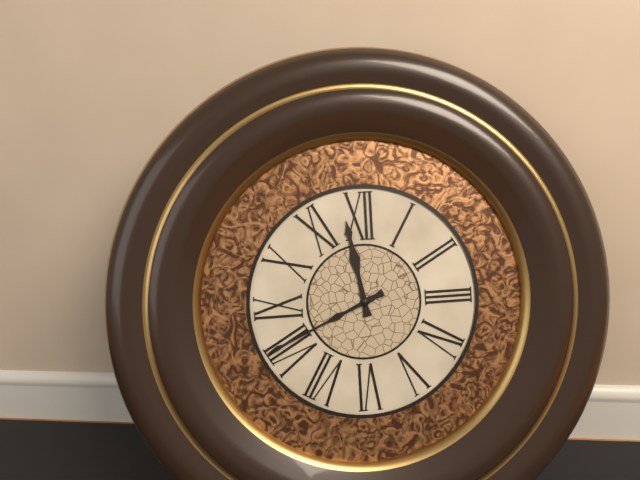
11,41
